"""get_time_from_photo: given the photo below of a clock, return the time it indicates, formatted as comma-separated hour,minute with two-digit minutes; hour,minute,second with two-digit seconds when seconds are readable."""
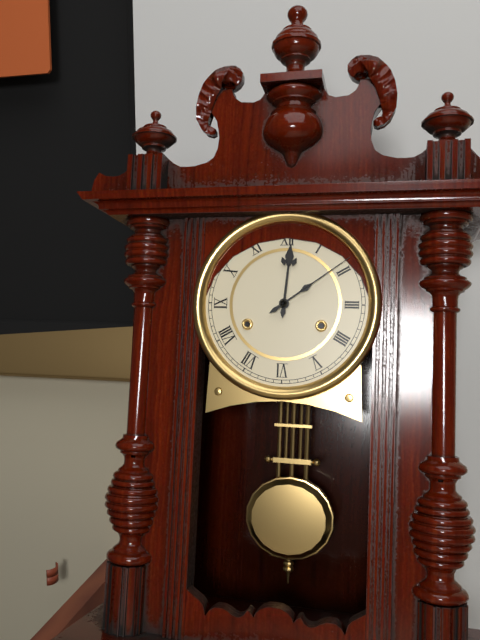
12,09
